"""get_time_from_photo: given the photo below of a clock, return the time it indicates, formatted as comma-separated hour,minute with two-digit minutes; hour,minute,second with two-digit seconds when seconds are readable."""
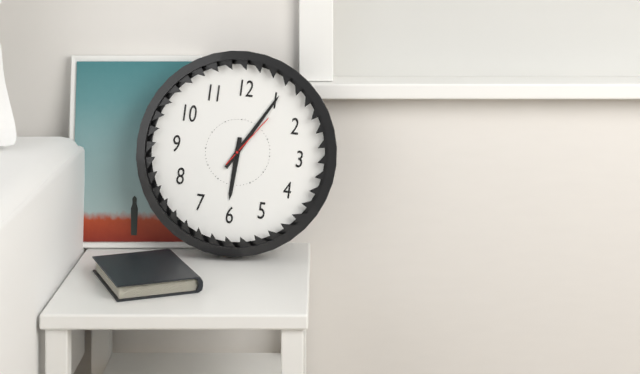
6,05,06
